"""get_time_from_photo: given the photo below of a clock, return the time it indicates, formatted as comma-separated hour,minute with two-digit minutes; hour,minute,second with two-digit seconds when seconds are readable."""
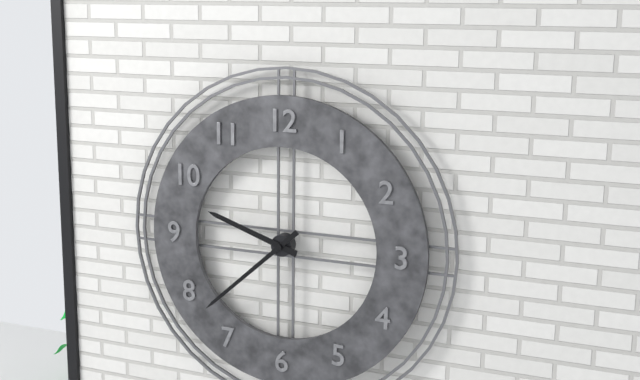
9,38
